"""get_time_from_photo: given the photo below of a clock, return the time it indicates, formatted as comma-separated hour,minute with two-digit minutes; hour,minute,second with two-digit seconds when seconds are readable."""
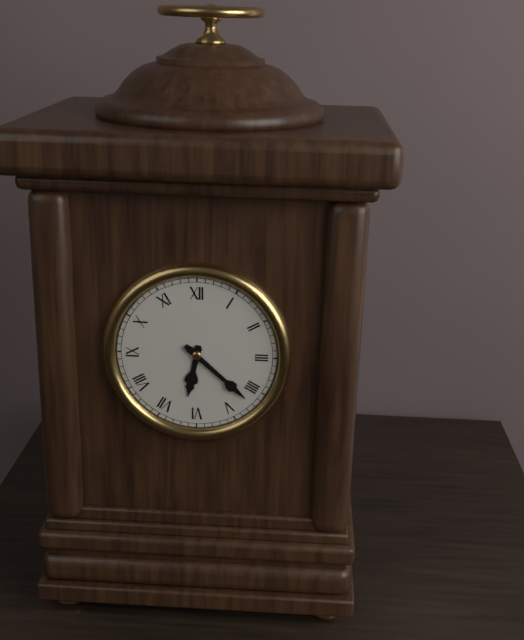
6,22
